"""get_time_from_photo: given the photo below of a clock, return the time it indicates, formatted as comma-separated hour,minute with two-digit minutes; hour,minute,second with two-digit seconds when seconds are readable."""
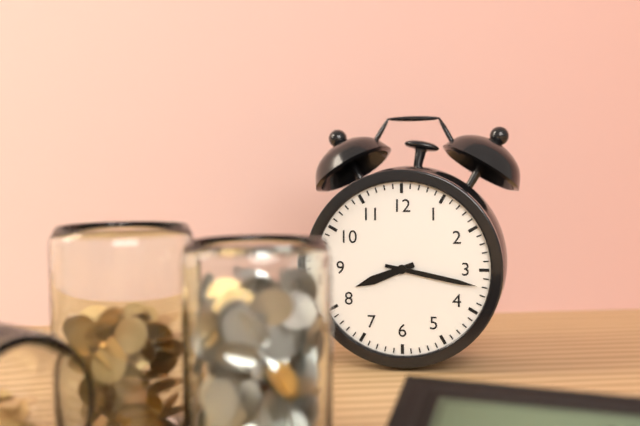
8,17
